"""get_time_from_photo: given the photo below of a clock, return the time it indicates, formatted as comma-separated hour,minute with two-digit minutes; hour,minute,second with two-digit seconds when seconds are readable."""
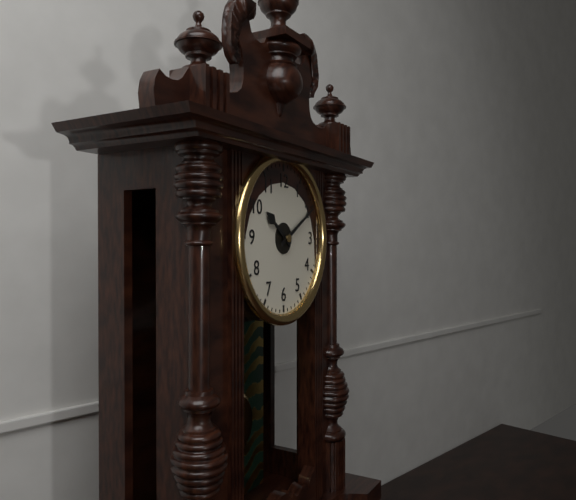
10,10
